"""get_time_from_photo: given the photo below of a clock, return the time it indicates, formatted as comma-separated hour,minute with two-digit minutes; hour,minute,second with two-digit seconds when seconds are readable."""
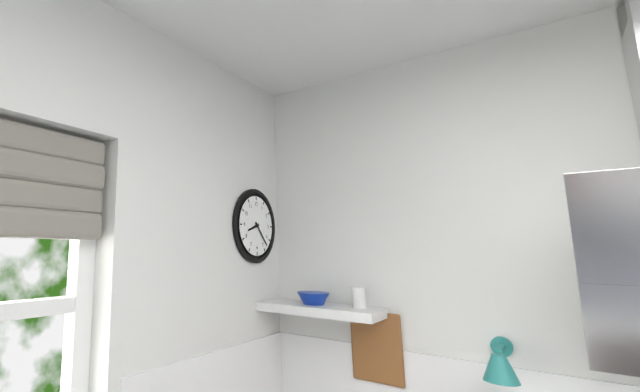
8,23
